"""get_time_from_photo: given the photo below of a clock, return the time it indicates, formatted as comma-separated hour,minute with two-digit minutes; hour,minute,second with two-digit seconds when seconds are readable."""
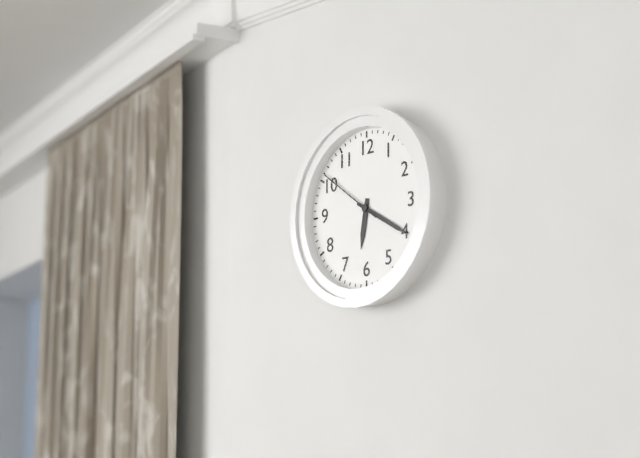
6,20,51
